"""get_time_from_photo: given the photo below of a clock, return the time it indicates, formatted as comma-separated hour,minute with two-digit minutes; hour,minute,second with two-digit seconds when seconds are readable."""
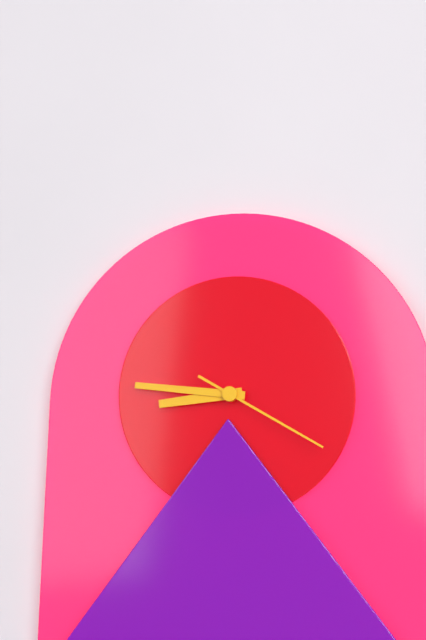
8,46,20
